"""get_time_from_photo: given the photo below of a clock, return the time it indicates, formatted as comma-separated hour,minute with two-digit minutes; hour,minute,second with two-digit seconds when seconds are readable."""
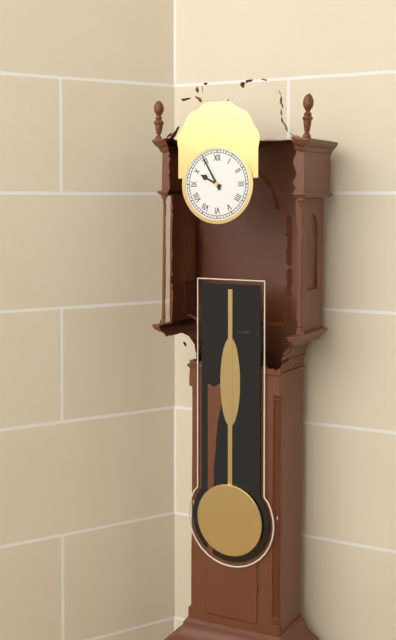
9,55
